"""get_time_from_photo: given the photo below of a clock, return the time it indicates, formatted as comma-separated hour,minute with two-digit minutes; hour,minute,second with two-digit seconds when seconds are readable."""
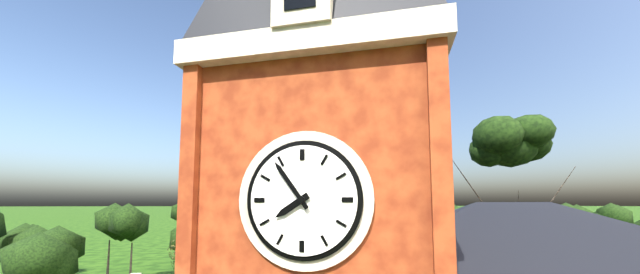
7,54
